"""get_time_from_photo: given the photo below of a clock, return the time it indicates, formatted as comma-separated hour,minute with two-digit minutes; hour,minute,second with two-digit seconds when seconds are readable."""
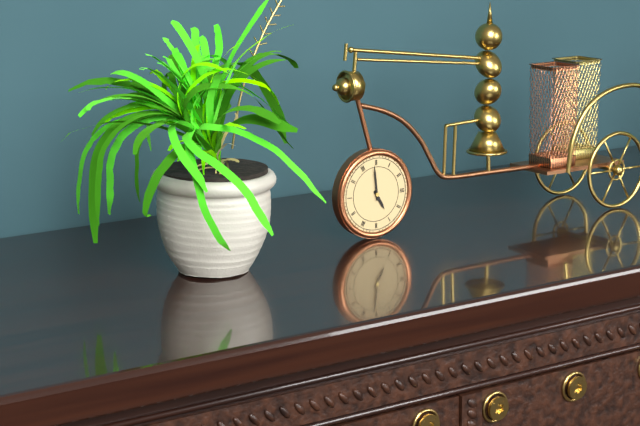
4,59
